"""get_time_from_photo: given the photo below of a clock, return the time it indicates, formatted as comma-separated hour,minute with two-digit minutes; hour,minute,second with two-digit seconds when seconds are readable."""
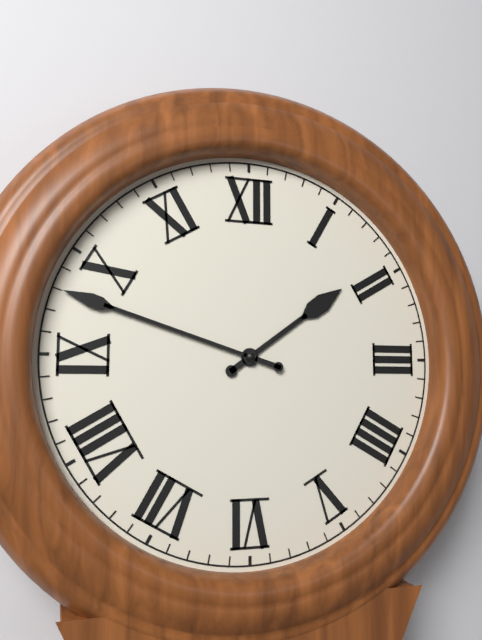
1,48
